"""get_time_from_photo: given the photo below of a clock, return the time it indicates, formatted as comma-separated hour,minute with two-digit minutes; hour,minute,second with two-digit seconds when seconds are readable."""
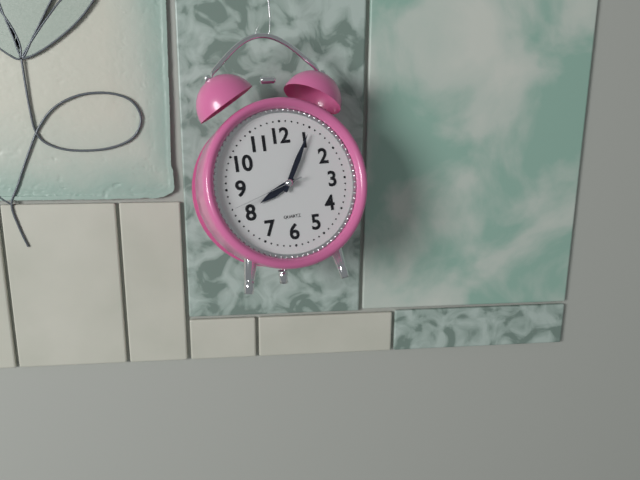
8,05,42
